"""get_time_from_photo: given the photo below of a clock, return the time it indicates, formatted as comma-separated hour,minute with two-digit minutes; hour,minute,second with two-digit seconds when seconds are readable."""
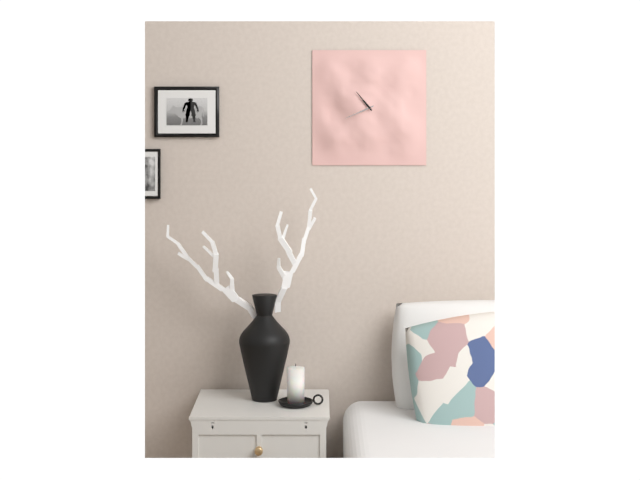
10,41
